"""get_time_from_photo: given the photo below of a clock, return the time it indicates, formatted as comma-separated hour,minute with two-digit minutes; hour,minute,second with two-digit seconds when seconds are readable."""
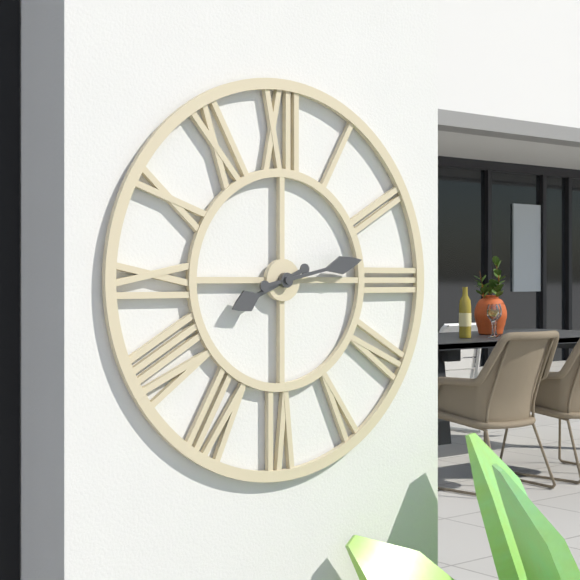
8,13
